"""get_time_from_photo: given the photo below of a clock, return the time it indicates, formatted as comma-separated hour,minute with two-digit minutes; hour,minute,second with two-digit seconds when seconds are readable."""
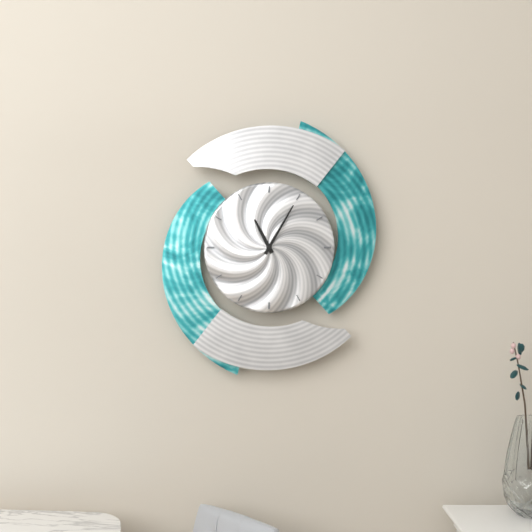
11,05
